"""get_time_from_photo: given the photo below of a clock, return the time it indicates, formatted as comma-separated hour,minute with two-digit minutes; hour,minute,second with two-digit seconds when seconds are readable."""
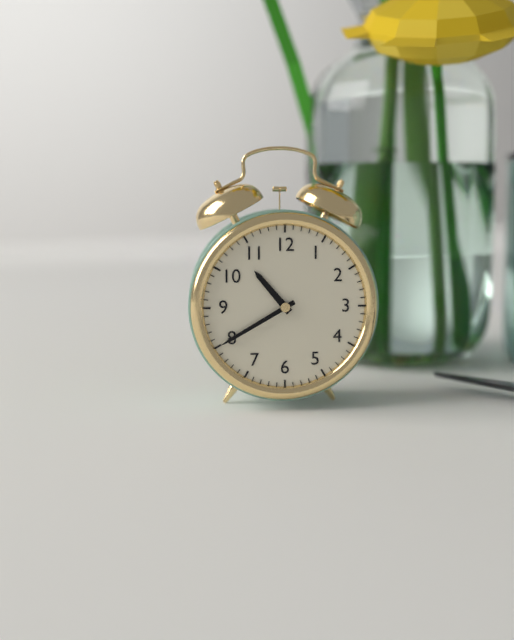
10,40
